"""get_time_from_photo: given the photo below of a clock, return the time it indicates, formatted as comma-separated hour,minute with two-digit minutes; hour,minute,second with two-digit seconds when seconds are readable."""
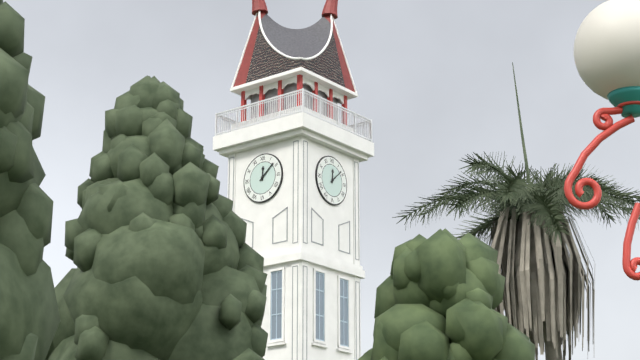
12,08
